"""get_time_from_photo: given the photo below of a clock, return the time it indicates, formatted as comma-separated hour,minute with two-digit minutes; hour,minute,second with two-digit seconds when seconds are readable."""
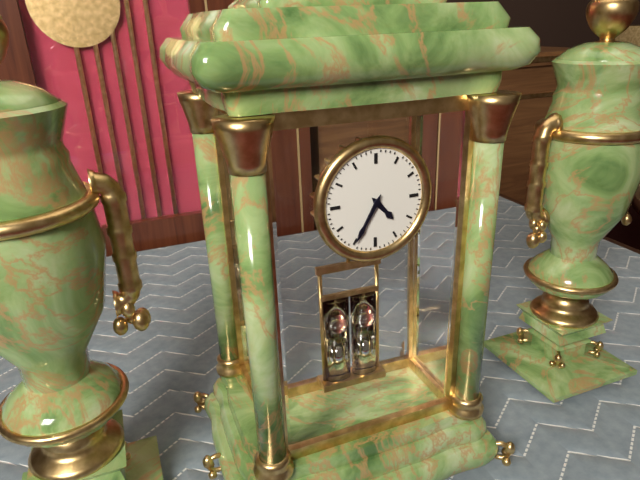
4,35
